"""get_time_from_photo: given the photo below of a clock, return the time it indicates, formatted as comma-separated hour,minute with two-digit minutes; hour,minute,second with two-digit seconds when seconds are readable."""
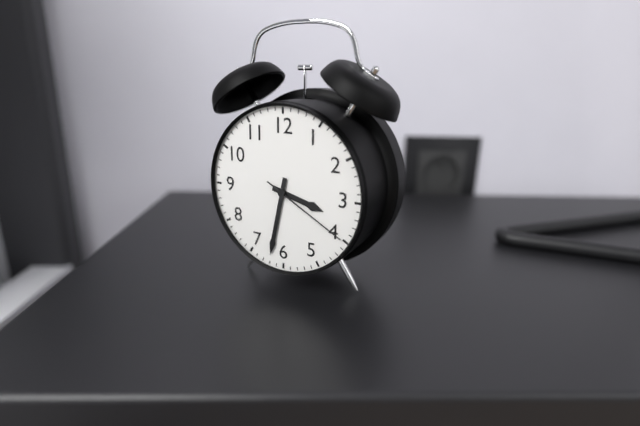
3,32,20
